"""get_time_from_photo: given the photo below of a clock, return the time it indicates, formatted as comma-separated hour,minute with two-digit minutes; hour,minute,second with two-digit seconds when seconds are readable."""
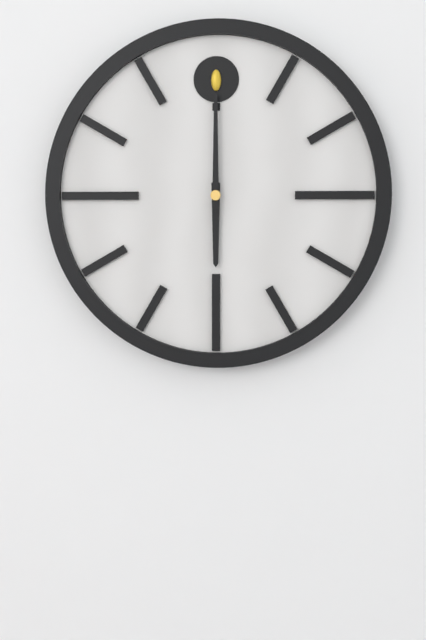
6,00
